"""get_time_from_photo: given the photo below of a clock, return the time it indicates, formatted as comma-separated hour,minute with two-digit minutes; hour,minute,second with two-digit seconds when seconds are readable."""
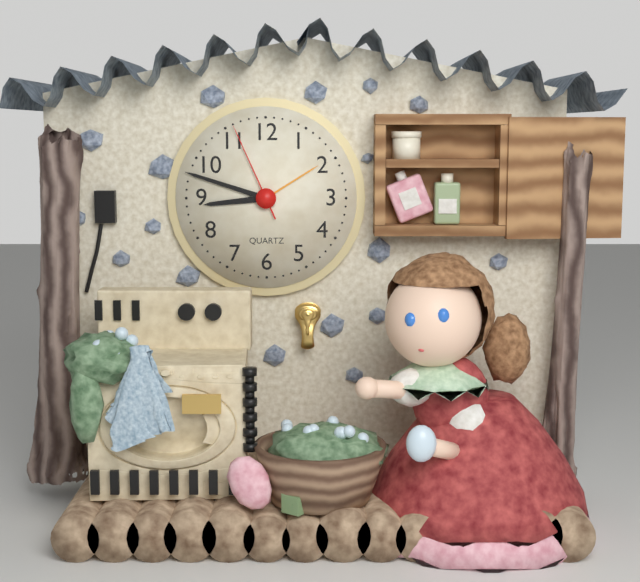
8,48,56
